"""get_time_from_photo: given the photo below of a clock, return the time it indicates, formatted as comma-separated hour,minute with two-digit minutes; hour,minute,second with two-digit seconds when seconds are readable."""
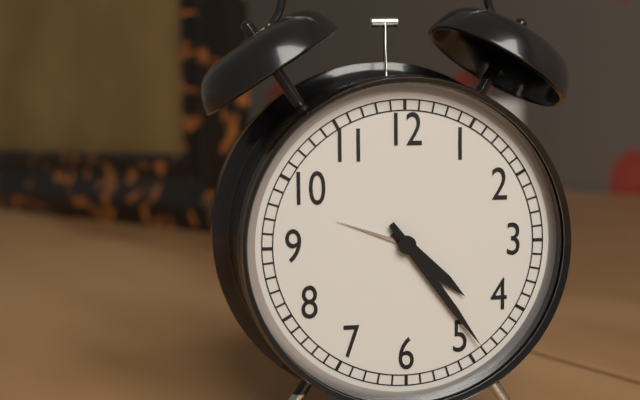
4,24
